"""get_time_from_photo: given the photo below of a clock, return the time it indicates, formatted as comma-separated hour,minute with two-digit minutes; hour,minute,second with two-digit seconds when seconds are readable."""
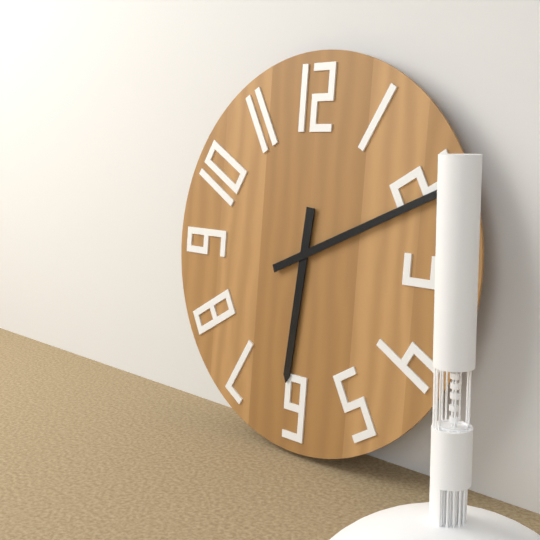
6,11
